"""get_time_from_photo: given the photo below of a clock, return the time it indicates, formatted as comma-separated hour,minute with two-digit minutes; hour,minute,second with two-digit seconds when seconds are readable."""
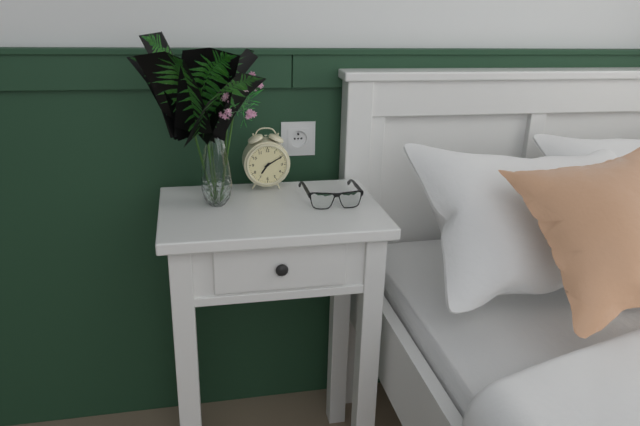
7,10
